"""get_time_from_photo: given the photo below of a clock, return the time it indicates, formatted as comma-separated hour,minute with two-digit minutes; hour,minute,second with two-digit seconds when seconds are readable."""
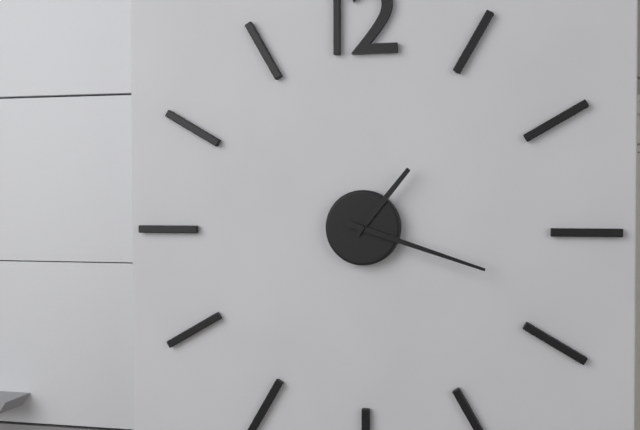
1,18
